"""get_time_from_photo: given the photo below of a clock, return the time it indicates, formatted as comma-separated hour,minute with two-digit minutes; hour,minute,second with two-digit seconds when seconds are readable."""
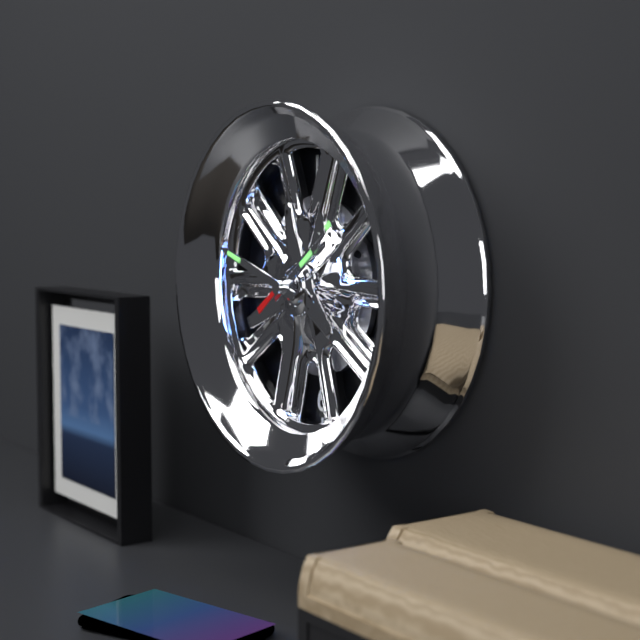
1,48,09
